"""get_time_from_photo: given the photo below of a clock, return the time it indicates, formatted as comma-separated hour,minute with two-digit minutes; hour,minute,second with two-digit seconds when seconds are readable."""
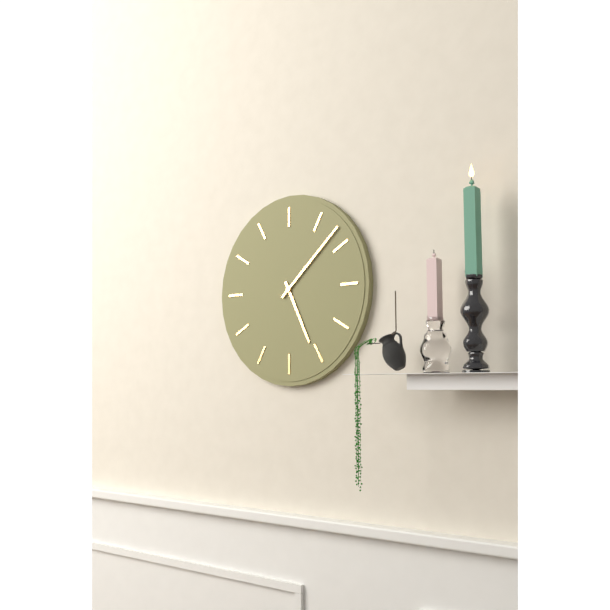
5,08
